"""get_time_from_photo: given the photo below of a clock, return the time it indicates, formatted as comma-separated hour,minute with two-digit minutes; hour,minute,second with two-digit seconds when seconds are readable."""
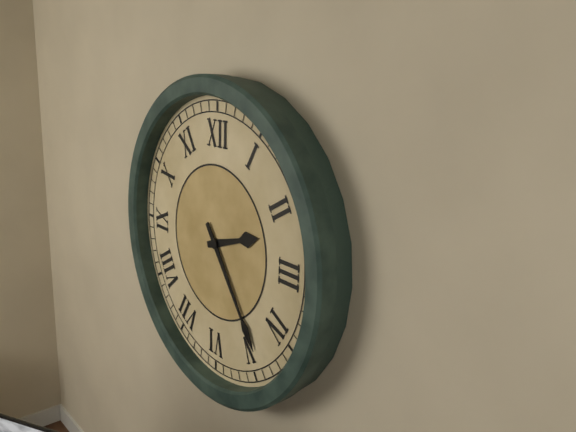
2,24
